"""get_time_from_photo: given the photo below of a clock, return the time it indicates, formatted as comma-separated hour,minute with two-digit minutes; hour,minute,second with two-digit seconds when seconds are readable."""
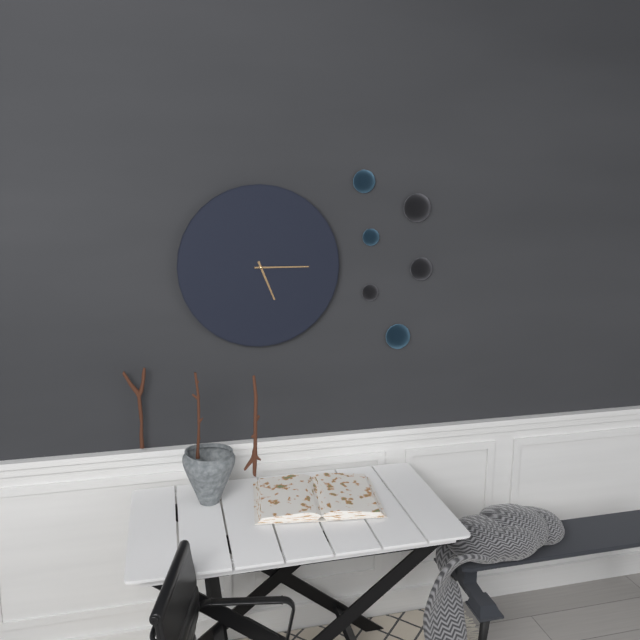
5,15
